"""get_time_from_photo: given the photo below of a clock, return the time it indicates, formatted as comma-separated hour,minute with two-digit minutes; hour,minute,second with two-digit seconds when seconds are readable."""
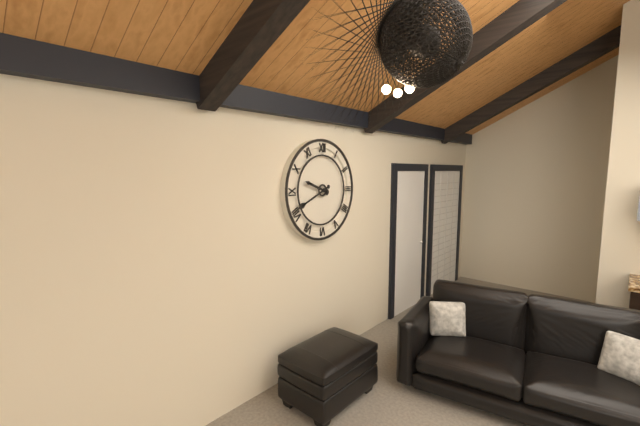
9,41
